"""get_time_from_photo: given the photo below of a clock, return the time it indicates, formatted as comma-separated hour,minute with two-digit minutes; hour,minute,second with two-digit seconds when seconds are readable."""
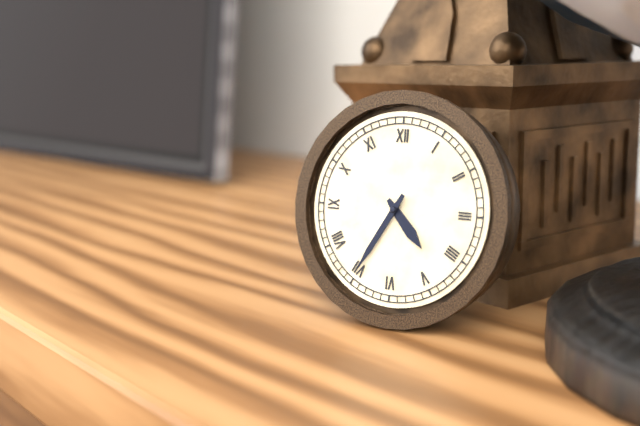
4,35
